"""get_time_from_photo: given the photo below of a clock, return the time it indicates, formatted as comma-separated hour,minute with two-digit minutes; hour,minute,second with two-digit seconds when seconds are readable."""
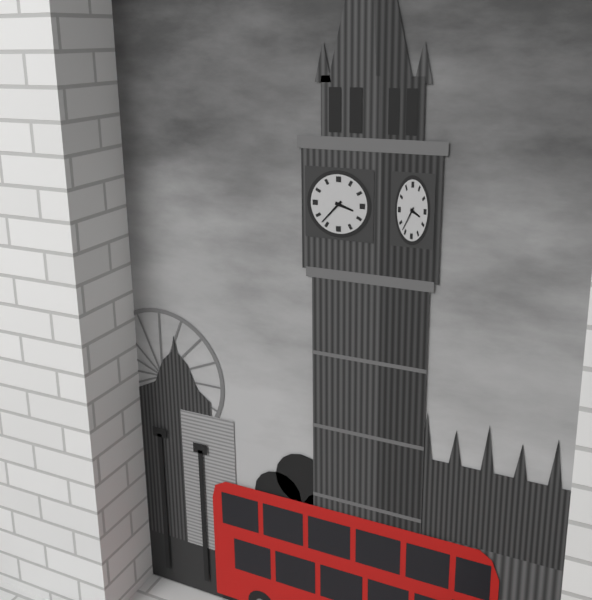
3,37
